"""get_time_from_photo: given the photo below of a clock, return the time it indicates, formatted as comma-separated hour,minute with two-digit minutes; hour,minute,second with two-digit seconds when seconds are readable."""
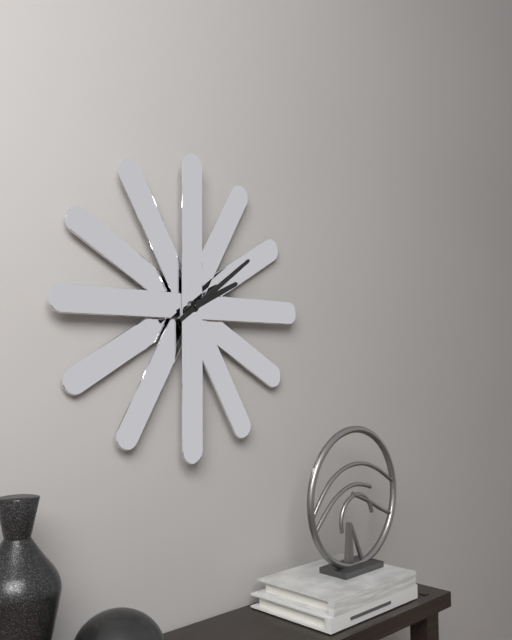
2,09
